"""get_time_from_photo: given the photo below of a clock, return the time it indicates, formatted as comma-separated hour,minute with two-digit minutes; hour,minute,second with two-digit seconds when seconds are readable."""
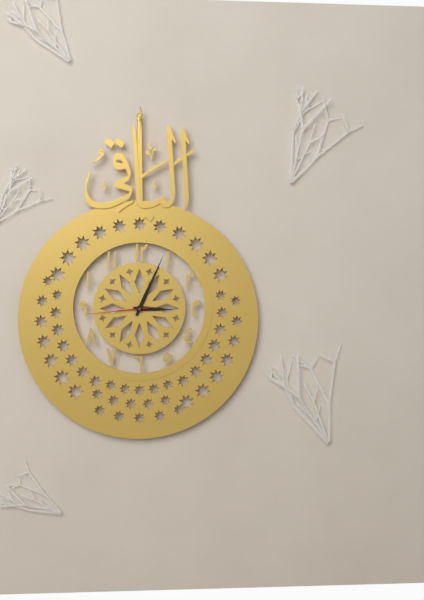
3,04,44
